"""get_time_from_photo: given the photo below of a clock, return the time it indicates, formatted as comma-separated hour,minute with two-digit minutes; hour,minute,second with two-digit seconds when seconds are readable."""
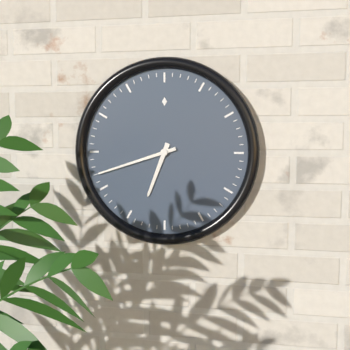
6,42
